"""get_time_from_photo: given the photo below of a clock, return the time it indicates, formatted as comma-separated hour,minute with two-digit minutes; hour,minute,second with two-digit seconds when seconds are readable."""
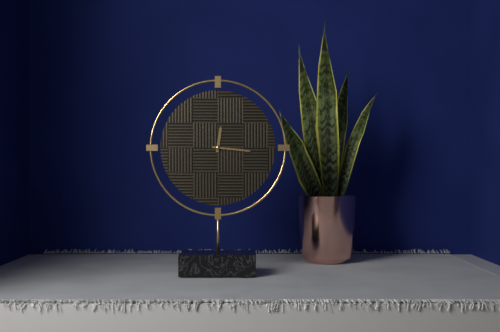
12,16
